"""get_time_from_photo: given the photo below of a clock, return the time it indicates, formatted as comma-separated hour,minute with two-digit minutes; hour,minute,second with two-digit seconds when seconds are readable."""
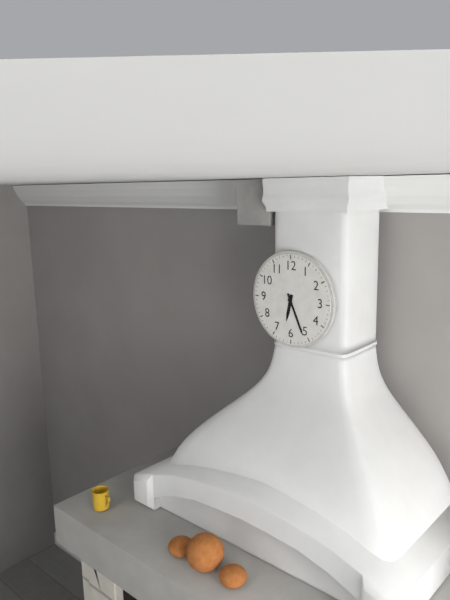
6,26
